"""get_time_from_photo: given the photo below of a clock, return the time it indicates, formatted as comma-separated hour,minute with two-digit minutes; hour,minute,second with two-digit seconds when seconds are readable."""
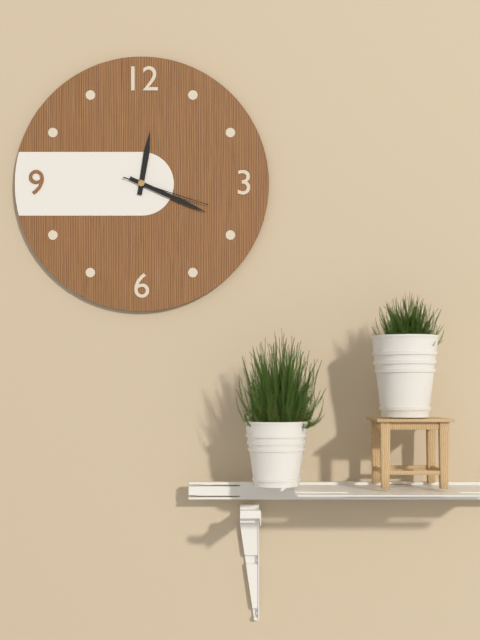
12,19,18
